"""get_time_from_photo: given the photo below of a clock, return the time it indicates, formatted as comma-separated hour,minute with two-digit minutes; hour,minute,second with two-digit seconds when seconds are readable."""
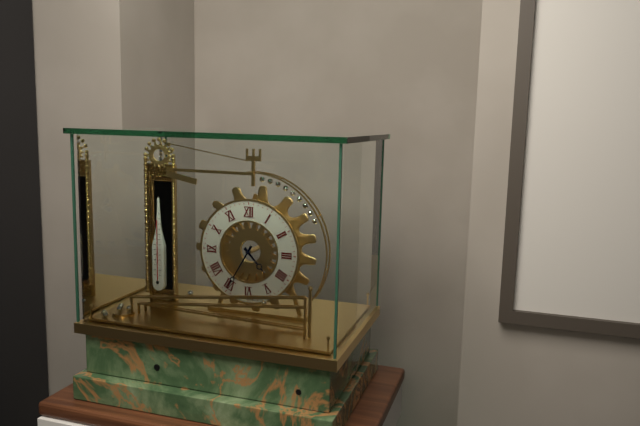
4,35
